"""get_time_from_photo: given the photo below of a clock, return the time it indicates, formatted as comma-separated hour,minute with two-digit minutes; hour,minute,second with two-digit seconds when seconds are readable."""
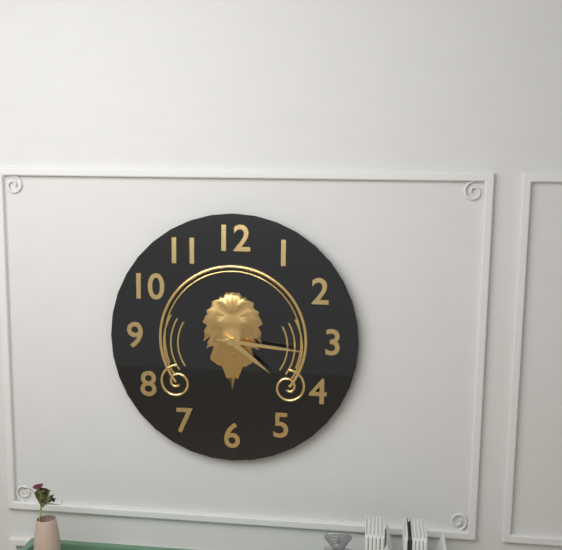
4,16
